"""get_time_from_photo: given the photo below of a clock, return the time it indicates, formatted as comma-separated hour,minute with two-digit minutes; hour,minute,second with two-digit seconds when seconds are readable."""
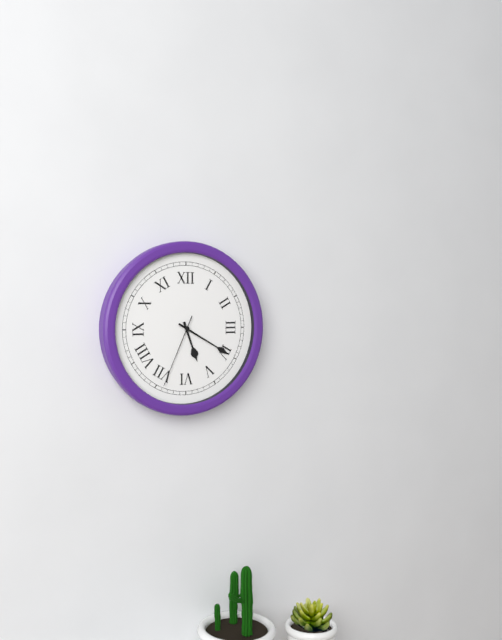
5,20,34
